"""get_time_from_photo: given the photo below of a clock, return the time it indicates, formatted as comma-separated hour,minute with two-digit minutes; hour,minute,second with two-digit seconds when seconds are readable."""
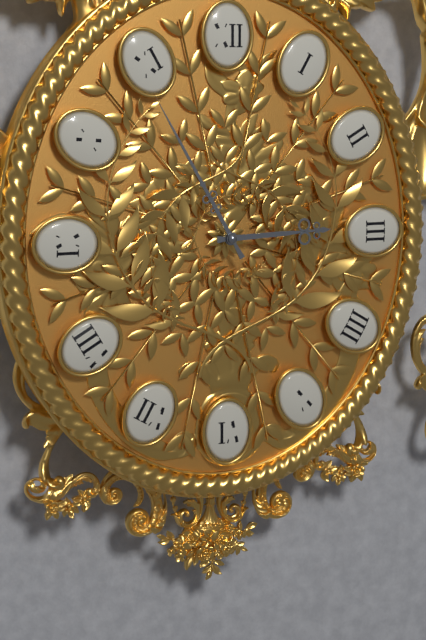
2,55
